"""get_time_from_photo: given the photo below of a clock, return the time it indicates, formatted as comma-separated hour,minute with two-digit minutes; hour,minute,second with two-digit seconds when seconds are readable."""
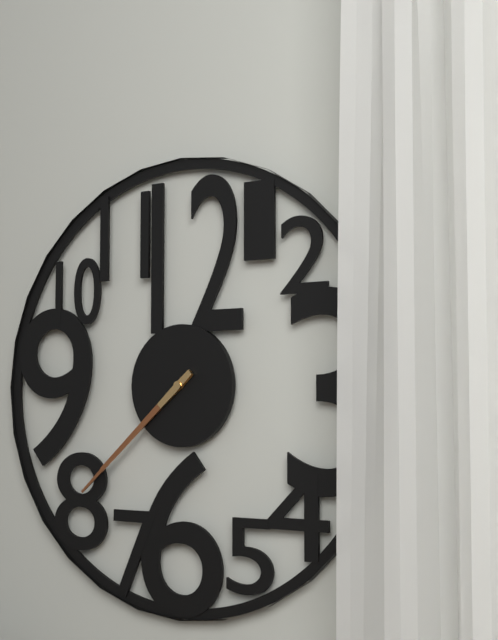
7,38
